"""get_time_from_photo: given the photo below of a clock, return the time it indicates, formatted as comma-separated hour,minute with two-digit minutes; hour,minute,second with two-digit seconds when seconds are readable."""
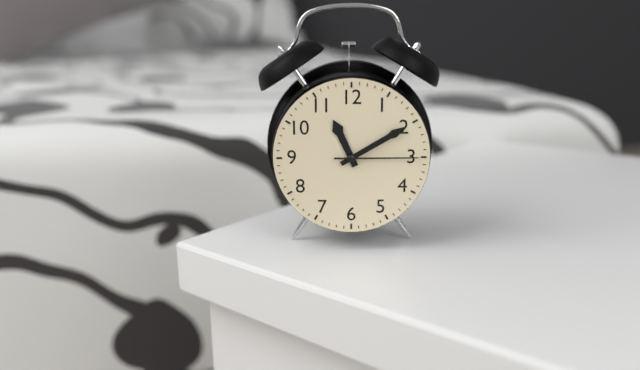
11,10,15
